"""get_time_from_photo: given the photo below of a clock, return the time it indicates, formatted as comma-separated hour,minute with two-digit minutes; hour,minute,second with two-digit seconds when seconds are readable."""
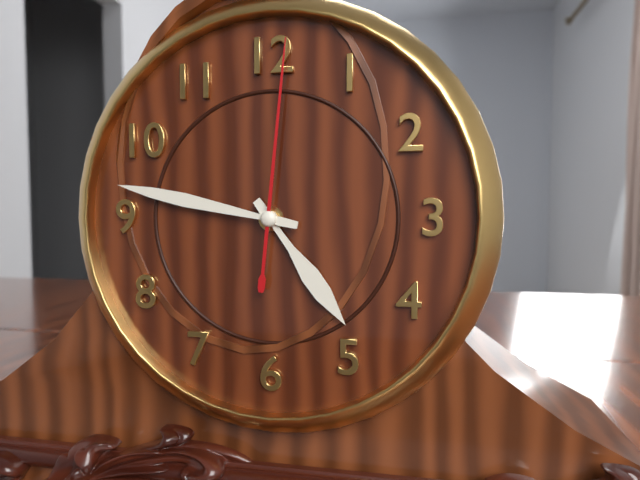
4,47,01
